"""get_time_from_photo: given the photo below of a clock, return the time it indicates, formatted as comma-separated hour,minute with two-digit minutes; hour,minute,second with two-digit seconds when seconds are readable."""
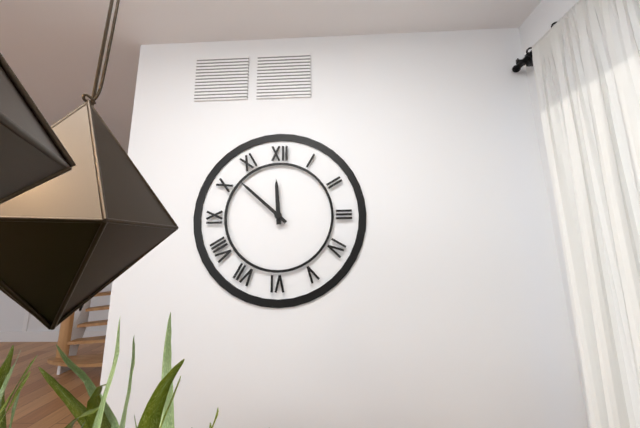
11,52
